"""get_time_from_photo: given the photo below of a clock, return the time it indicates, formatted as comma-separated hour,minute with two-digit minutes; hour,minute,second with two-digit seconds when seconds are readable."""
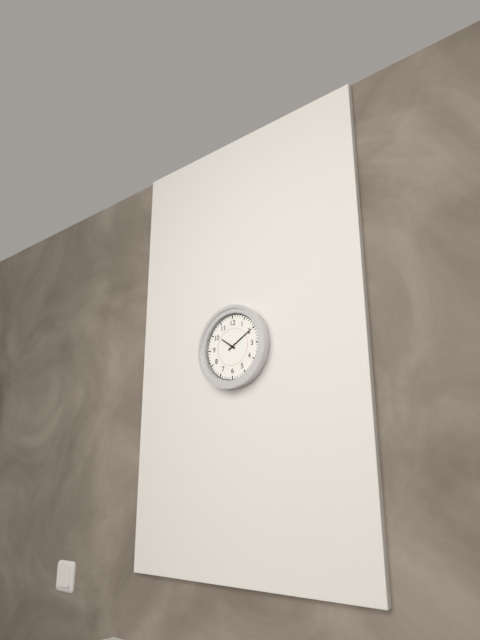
10,10
